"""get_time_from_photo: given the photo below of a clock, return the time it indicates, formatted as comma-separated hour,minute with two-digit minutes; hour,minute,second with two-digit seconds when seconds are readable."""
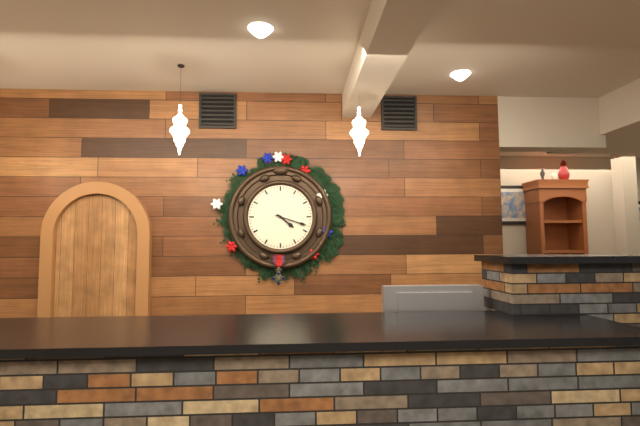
4,18
